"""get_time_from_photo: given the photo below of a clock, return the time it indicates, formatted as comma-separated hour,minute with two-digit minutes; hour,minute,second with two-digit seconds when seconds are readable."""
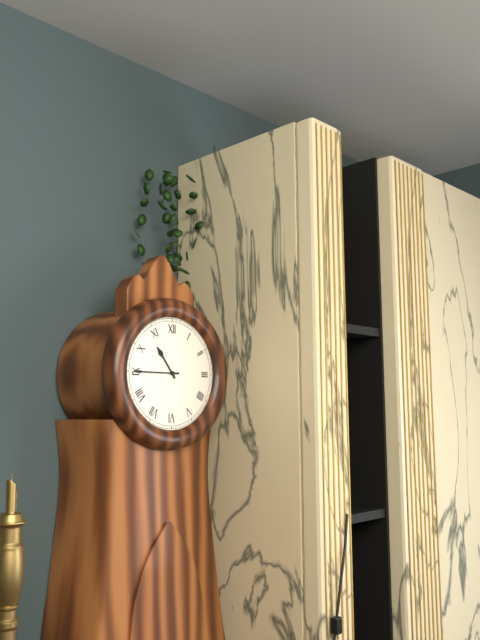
10,45
